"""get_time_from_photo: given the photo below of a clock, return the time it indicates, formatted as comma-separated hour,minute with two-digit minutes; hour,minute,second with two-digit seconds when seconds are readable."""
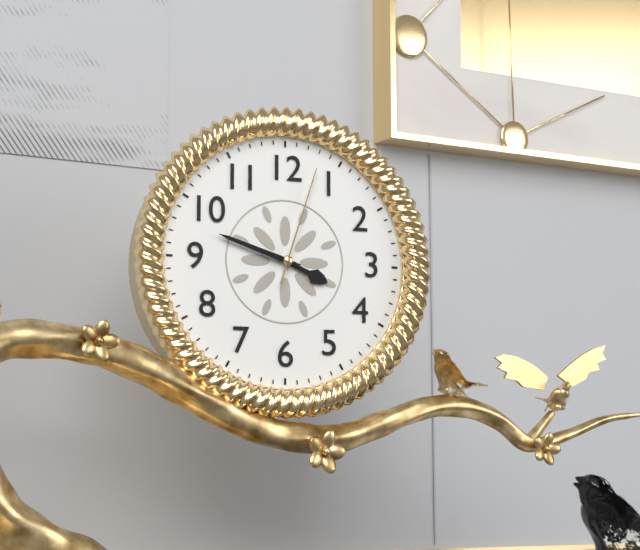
3,48,03
